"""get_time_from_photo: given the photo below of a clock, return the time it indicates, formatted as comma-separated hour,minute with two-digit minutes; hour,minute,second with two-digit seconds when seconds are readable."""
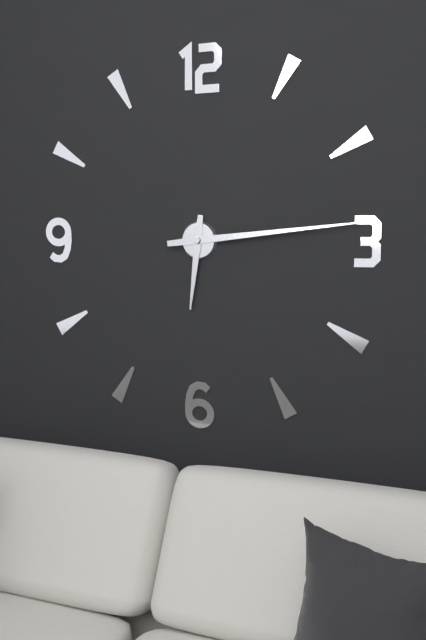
6,14
